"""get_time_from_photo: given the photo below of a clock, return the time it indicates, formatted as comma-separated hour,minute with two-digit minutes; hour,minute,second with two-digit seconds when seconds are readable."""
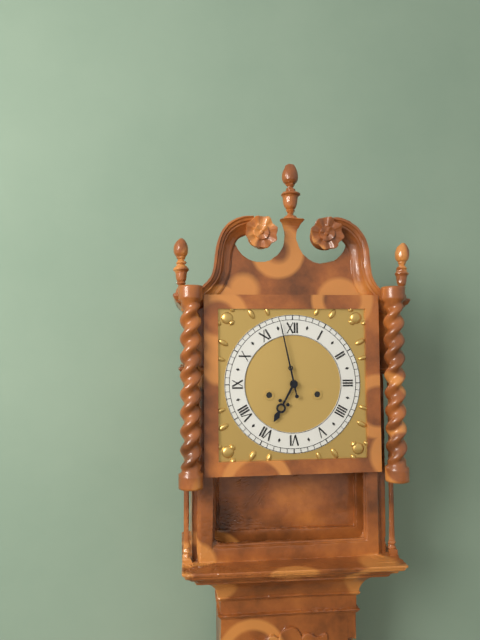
6,58
